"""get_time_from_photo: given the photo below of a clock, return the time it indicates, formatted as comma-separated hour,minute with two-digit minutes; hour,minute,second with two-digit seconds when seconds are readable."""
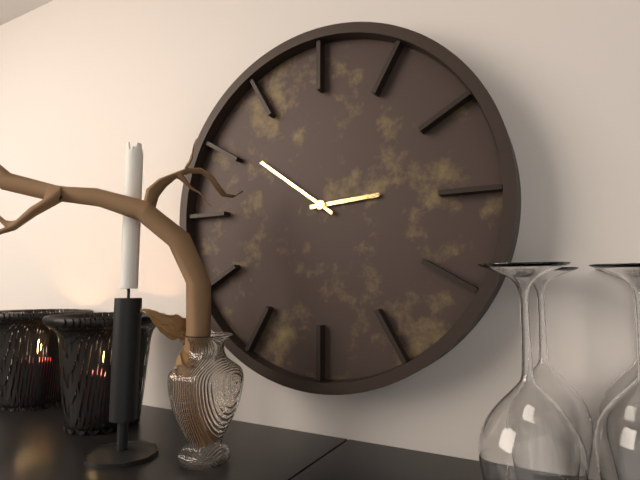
2,51
